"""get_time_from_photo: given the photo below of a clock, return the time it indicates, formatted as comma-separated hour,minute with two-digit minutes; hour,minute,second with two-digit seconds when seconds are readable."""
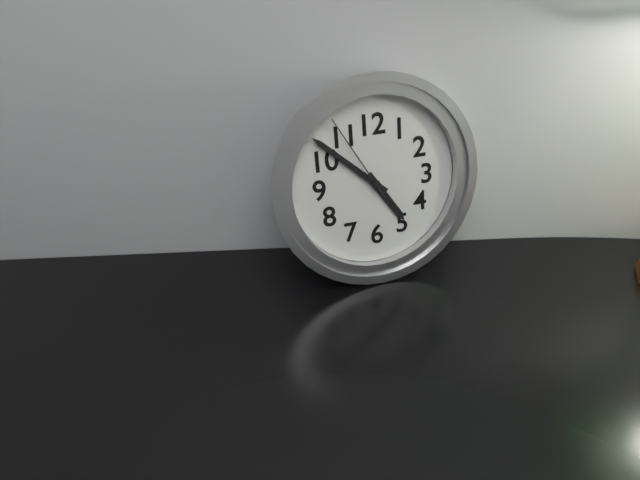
4,52,55
